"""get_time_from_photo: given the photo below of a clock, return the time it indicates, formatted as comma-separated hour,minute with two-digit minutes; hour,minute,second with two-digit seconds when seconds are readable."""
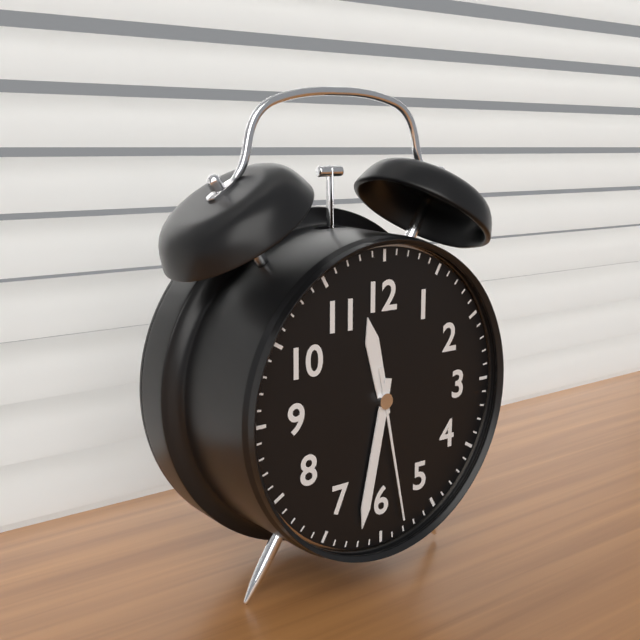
11,32,28
